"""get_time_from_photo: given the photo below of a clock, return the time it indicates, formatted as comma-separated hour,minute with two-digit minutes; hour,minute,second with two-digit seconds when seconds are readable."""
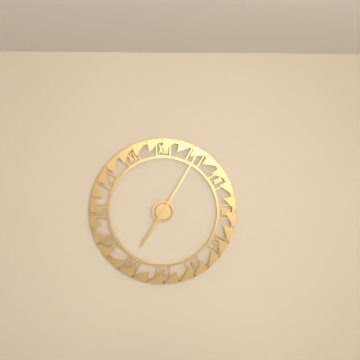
7,05
